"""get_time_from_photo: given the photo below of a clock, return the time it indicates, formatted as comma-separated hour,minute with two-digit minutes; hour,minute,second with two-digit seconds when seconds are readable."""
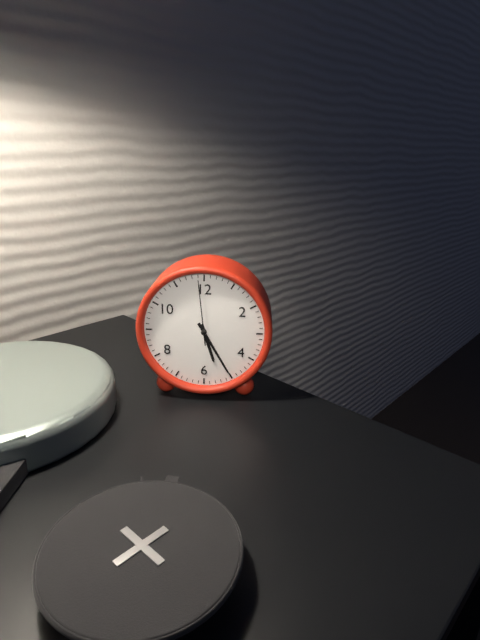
5,25,59
